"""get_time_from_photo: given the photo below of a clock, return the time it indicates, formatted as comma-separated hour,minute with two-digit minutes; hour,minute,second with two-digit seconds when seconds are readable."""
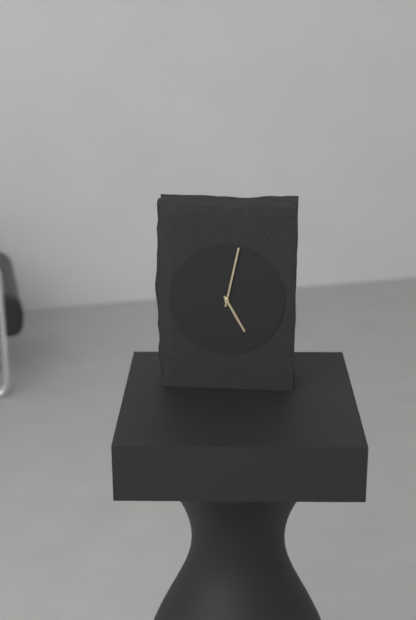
5,02
